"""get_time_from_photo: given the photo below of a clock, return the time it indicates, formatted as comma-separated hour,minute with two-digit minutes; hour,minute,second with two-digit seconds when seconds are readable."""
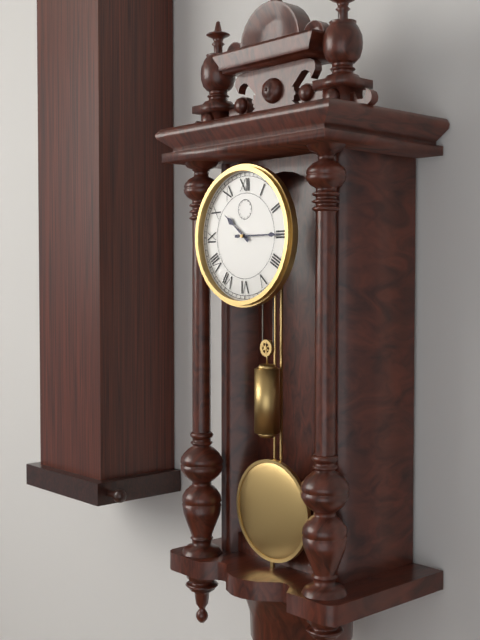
10,15
